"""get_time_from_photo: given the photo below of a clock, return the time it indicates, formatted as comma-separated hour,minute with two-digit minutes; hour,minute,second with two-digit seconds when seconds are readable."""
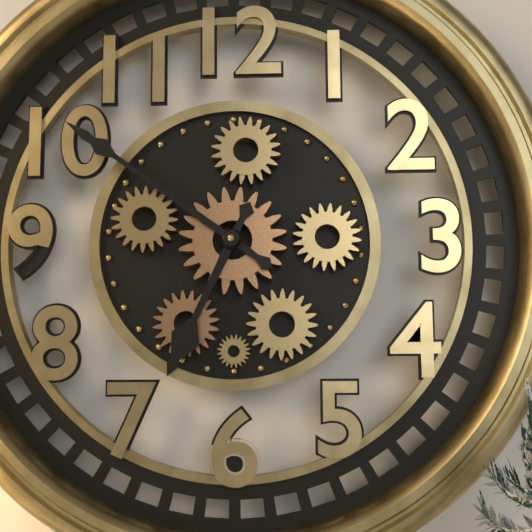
6,51
